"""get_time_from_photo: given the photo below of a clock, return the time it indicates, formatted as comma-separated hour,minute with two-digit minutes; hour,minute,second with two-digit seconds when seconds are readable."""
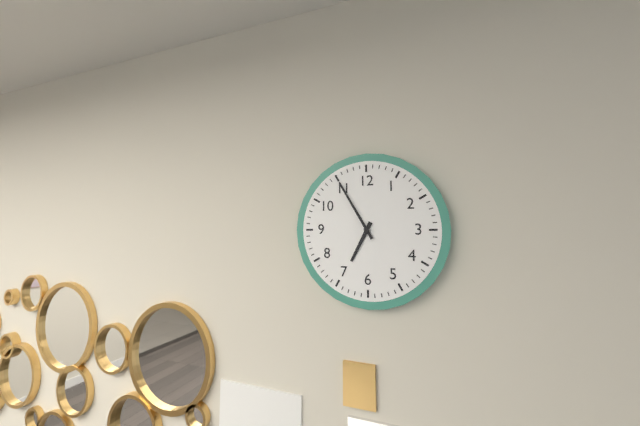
6,55
